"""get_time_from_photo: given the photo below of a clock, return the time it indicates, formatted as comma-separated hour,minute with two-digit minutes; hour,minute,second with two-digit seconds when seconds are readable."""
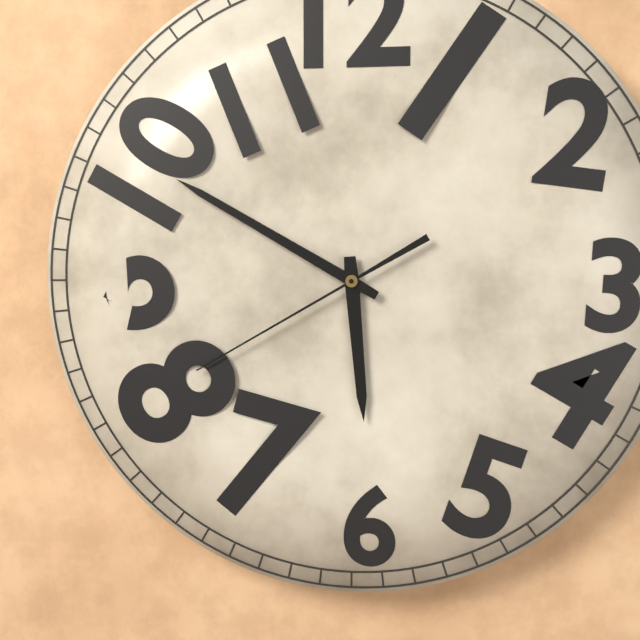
5,50,40
